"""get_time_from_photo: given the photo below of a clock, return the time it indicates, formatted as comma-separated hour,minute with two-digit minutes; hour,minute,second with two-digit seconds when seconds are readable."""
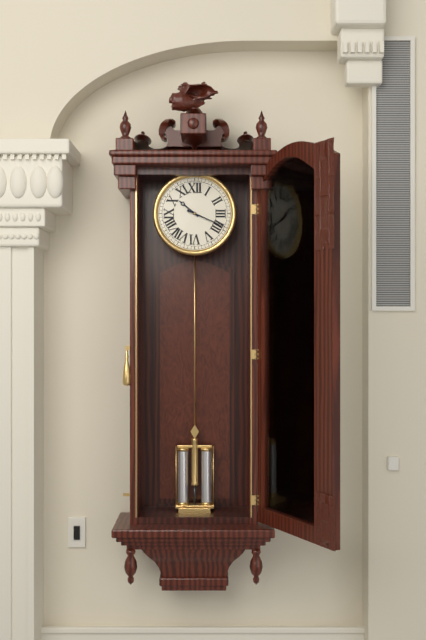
10,19
